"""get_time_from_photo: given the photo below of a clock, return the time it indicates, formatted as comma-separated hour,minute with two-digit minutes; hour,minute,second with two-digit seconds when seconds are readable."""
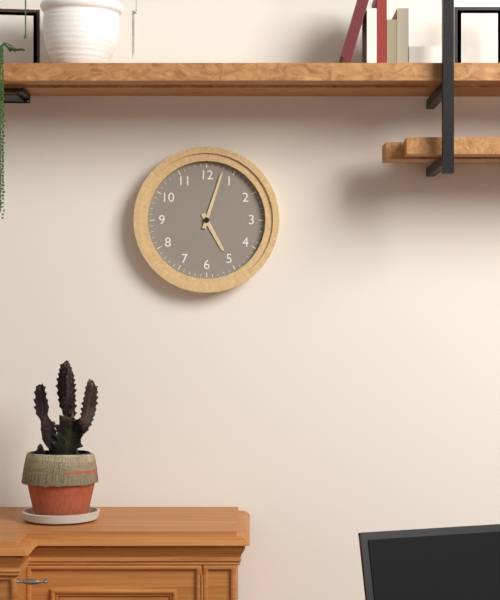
5,03
